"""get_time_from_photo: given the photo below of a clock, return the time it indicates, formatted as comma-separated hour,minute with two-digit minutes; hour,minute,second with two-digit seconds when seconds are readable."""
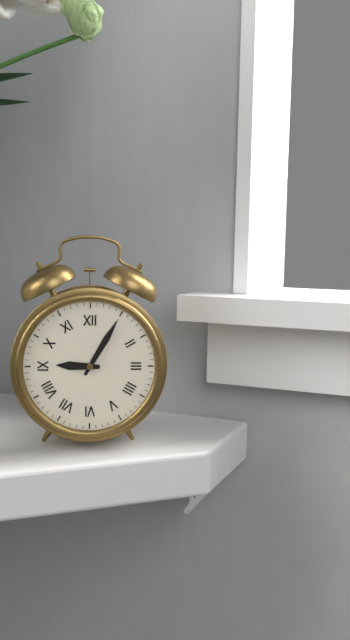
9,05
